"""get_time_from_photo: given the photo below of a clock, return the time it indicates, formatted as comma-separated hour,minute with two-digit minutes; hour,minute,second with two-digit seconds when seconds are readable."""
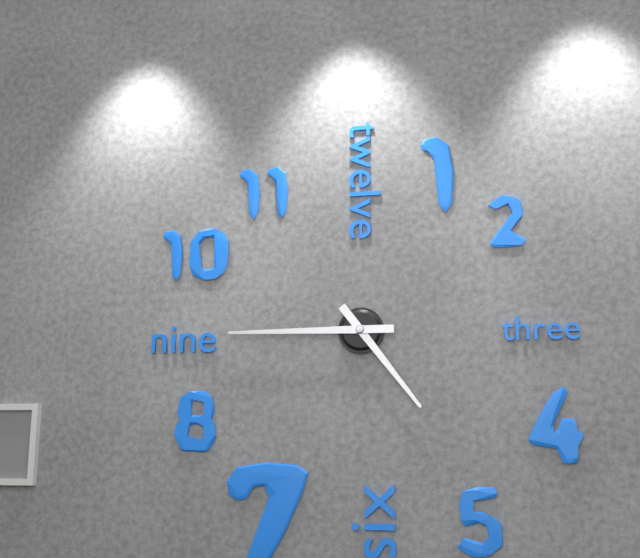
4,45
